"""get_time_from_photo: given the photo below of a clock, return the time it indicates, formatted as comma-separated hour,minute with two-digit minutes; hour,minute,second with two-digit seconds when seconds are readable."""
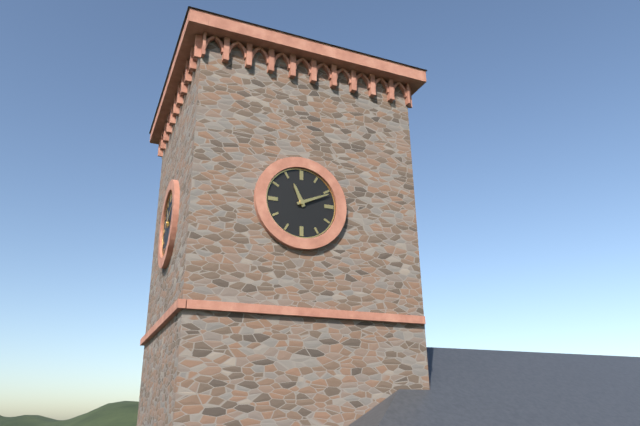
11,11
